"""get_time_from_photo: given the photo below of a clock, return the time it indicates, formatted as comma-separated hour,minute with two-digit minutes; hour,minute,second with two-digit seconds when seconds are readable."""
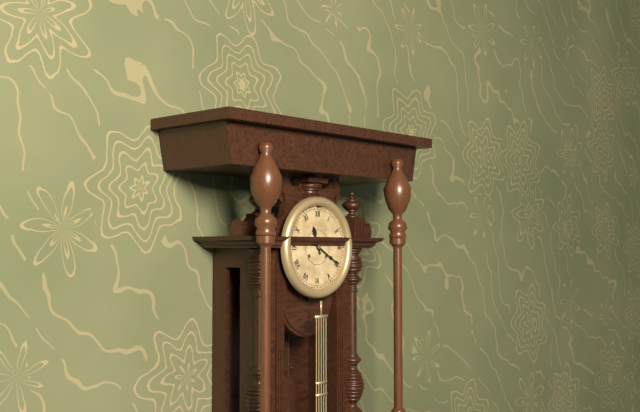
11,20
